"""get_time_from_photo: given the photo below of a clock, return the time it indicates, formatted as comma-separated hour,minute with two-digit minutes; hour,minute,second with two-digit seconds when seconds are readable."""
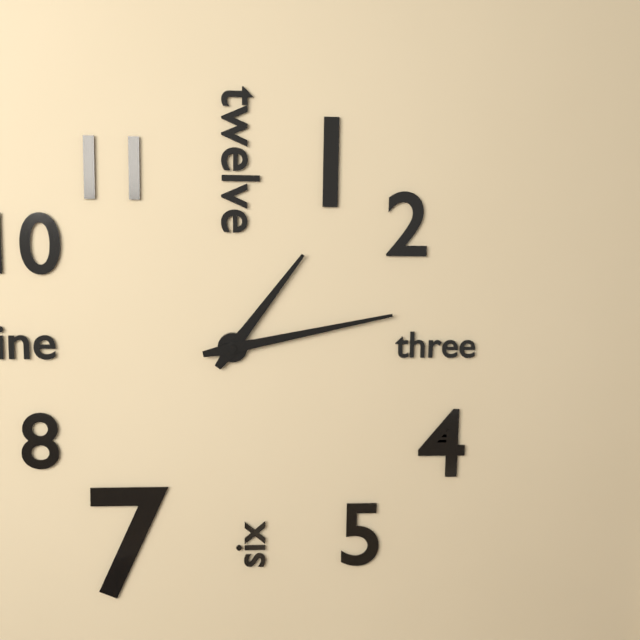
1,13
